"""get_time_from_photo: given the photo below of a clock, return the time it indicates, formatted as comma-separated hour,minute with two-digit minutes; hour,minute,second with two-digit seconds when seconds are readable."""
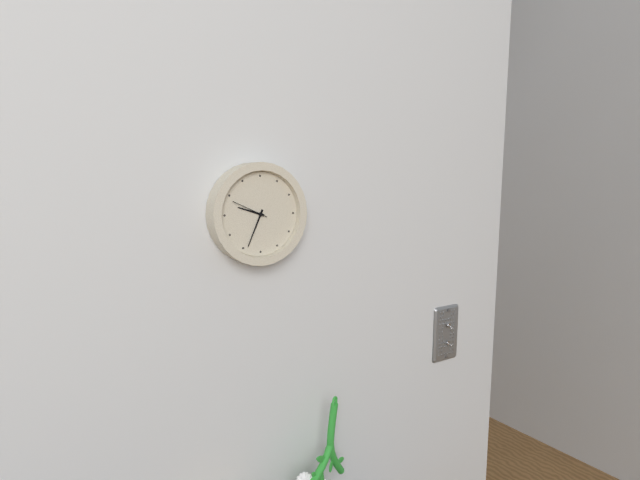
9,34
